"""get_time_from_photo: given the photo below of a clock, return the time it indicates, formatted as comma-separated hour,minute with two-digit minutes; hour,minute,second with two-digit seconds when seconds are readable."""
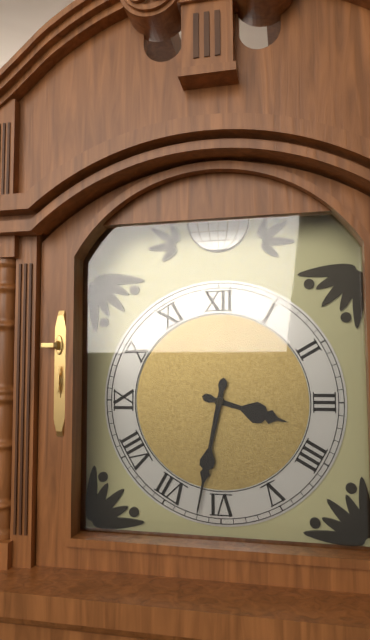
3,32
